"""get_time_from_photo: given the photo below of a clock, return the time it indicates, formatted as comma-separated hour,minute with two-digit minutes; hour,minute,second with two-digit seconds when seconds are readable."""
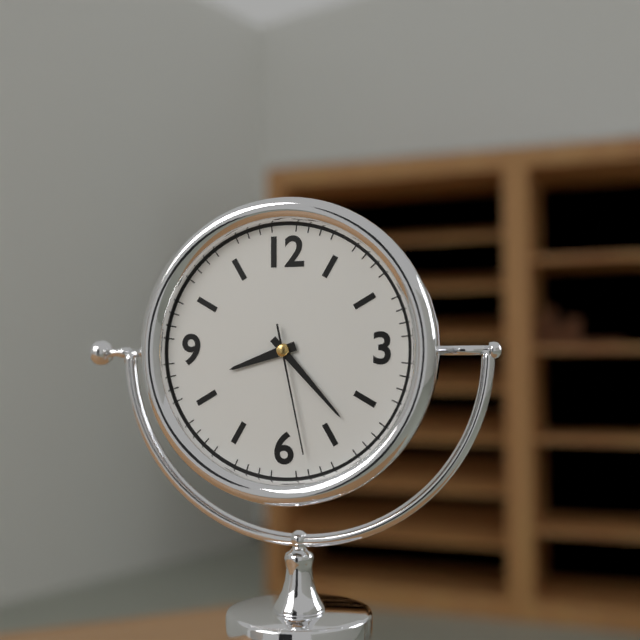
8,23,28
